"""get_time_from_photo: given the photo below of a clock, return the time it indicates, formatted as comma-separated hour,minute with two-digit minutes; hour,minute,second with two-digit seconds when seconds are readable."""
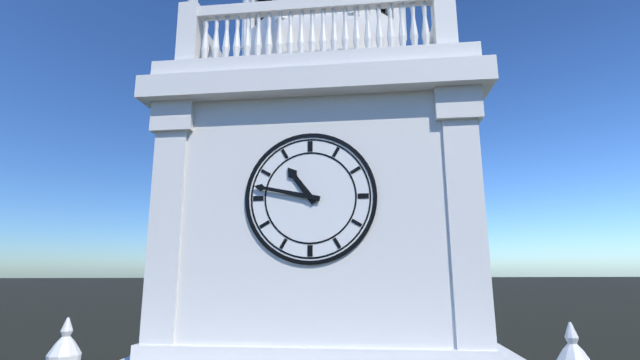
10,47
